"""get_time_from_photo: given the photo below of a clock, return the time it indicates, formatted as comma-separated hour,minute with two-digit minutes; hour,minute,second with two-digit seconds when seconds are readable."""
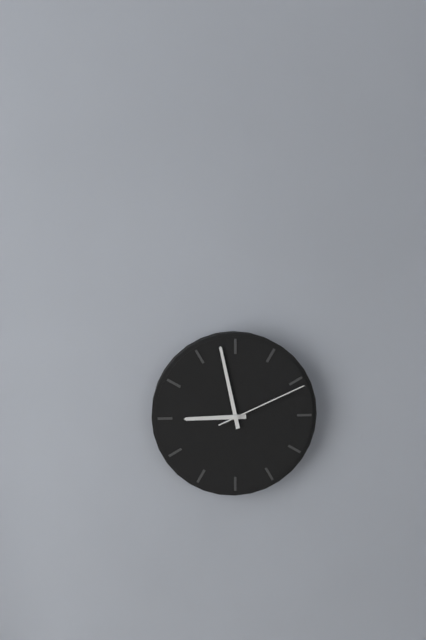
8,58,11
